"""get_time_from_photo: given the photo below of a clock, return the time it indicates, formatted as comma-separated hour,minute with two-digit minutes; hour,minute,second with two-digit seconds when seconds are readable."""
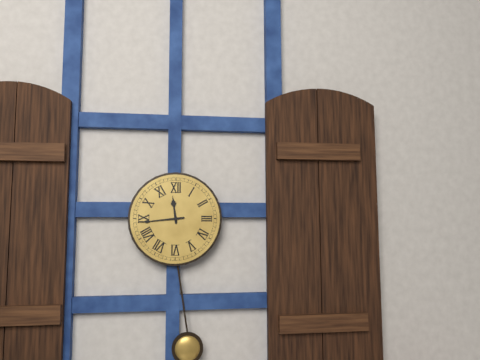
11,44
